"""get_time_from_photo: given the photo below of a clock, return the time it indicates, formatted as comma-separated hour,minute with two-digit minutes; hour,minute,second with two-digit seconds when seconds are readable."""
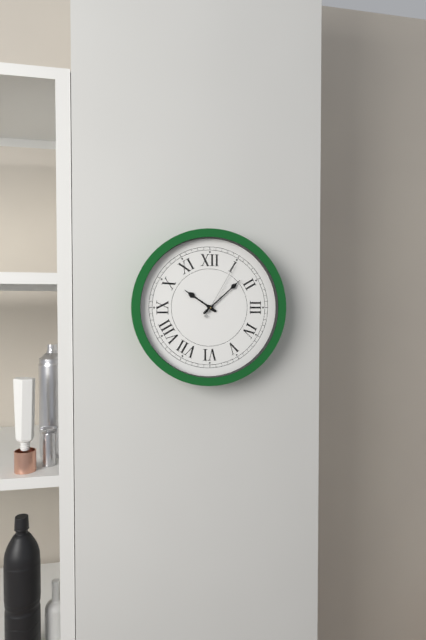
10,08,05
